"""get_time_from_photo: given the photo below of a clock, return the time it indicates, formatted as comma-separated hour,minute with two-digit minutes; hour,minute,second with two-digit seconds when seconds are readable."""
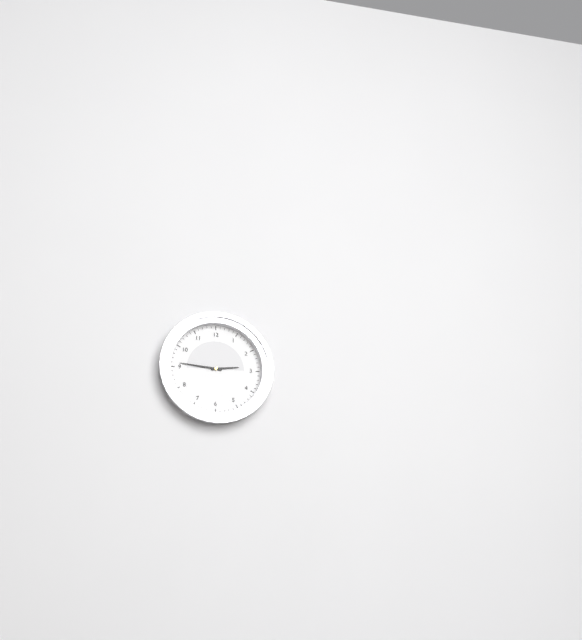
2,46
